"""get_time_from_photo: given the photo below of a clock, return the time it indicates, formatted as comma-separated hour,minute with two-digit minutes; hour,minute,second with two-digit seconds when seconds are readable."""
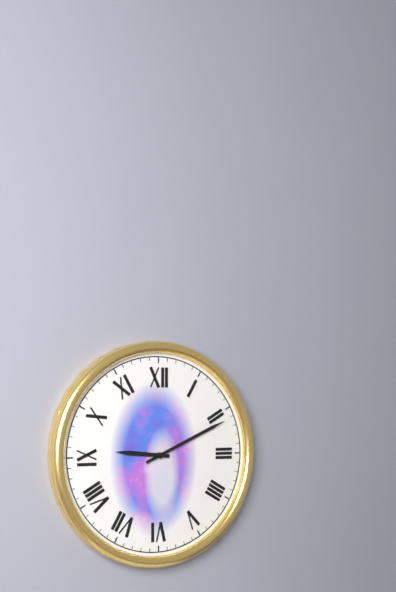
9,11
